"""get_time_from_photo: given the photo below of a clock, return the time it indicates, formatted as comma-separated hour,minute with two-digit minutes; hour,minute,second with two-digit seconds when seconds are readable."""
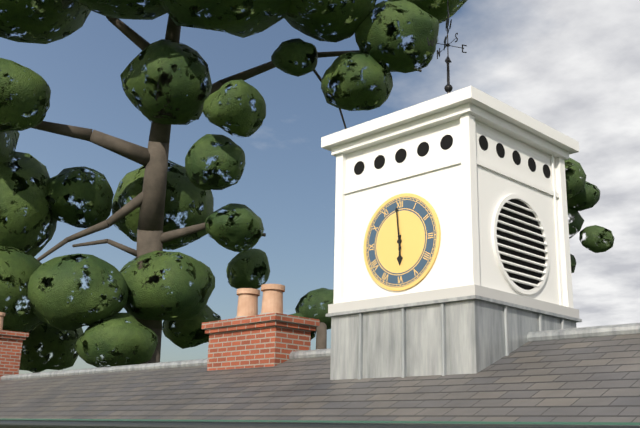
5,59
